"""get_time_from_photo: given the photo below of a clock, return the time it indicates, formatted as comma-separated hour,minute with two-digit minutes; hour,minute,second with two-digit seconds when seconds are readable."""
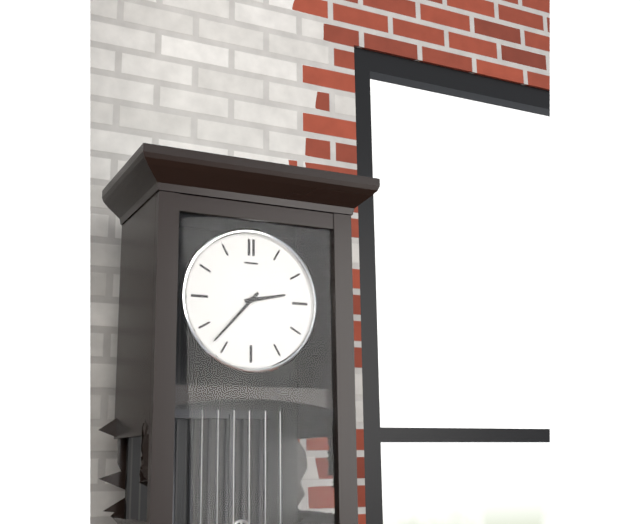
2,37
